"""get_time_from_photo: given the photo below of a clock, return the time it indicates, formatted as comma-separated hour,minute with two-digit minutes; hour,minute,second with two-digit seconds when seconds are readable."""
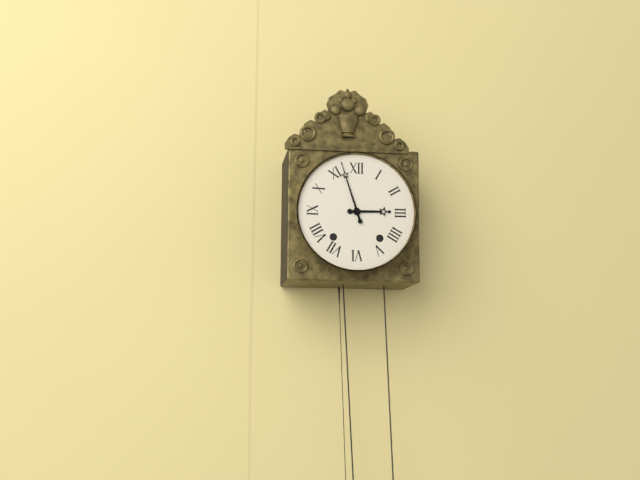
2,57
